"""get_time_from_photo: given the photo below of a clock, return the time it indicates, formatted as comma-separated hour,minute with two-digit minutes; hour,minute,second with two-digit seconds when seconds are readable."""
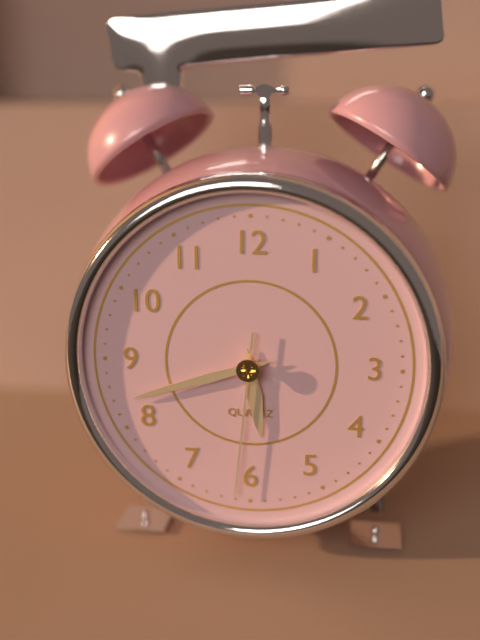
5,42,31
